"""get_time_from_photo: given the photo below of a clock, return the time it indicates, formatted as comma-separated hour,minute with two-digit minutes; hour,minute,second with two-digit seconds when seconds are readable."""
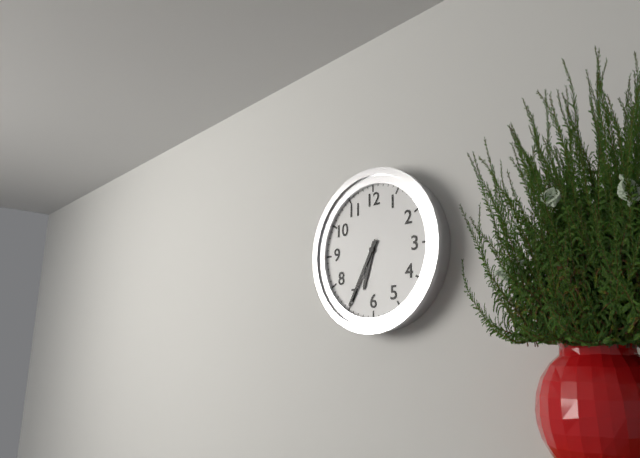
6,35
